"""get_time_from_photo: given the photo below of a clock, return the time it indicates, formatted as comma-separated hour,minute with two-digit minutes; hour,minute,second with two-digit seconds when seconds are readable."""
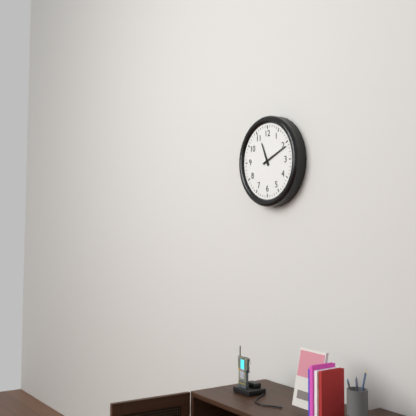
11,11
